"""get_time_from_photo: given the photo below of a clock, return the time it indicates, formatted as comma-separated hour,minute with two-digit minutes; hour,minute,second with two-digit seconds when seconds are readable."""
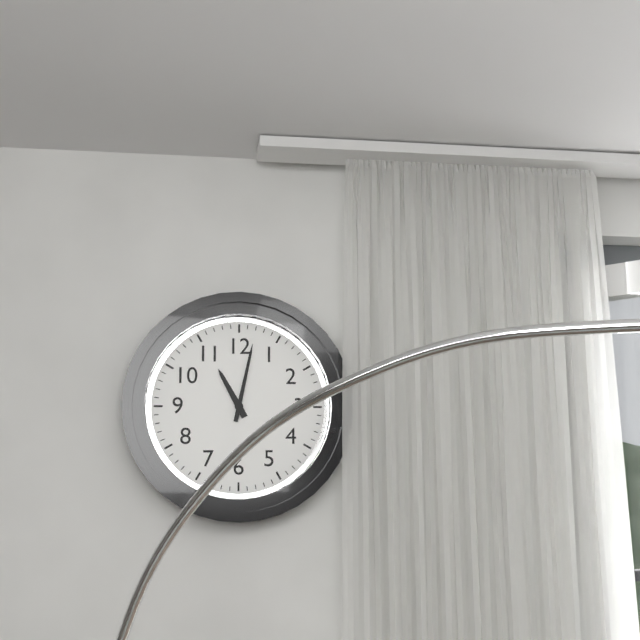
11,02
